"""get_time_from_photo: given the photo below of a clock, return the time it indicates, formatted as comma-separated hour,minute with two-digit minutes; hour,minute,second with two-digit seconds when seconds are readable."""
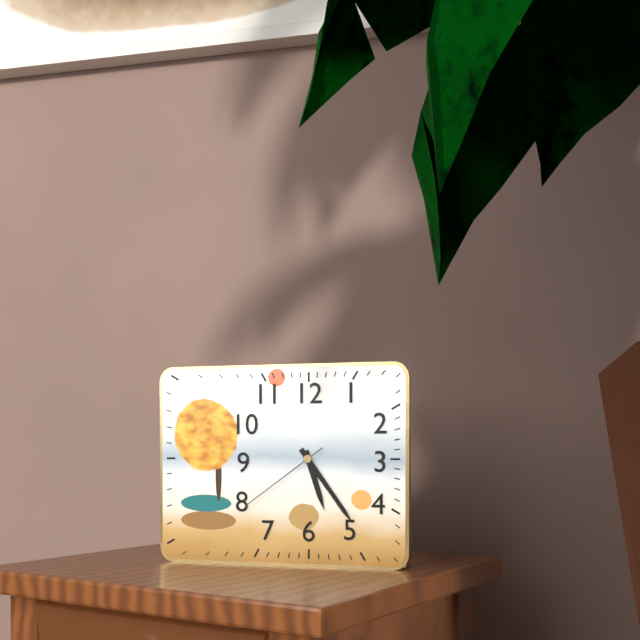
5,24,39
